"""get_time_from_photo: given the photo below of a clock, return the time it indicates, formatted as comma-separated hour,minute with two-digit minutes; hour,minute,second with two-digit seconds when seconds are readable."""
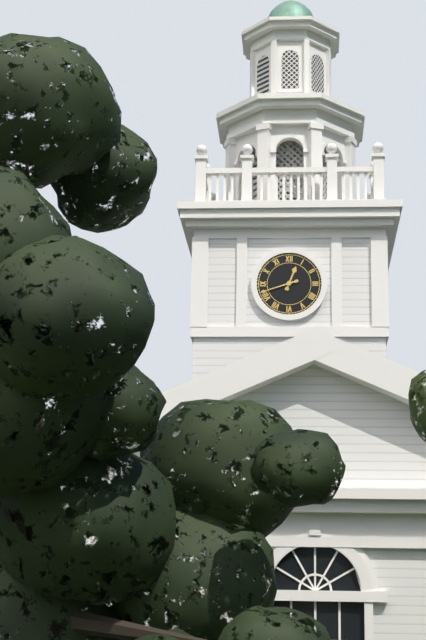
12,42
